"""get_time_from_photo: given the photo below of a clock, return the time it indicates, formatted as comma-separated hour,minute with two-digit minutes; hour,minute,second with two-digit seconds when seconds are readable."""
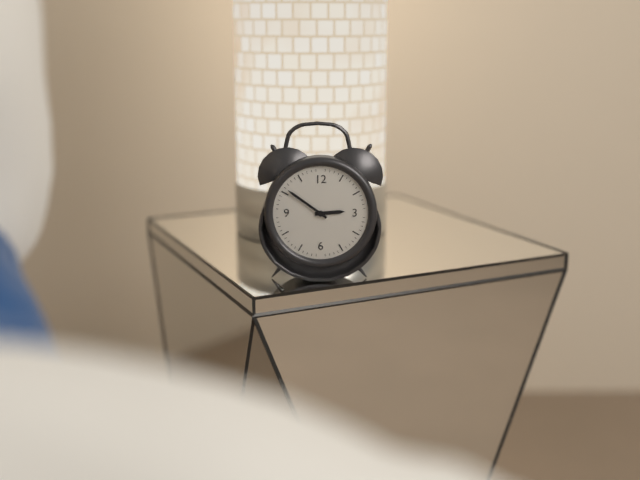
2,51
